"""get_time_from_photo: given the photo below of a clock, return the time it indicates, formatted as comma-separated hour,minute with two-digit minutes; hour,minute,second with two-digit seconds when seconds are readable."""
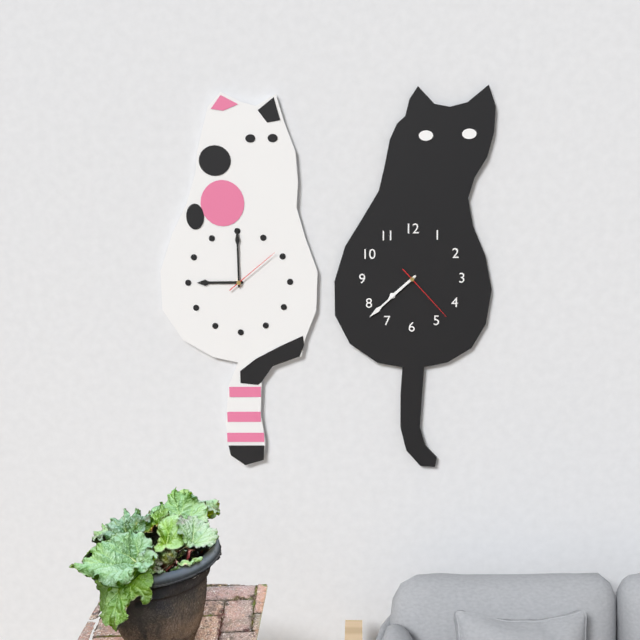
7,38,23
